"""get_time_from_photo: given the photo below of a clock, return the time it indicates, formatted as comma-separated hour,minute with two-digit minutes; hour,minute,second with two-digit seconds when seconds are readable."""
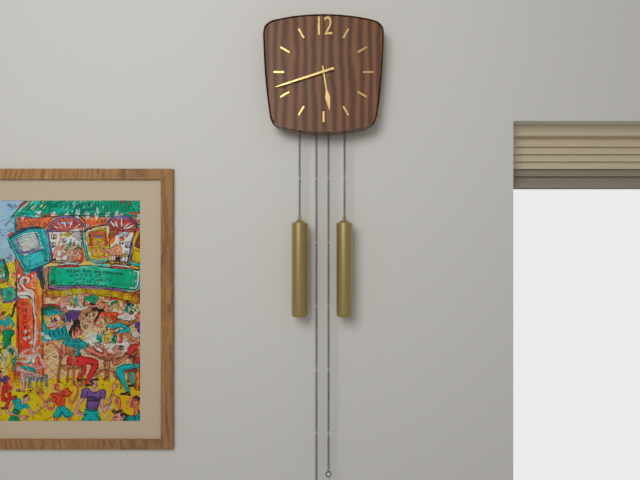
5,42
